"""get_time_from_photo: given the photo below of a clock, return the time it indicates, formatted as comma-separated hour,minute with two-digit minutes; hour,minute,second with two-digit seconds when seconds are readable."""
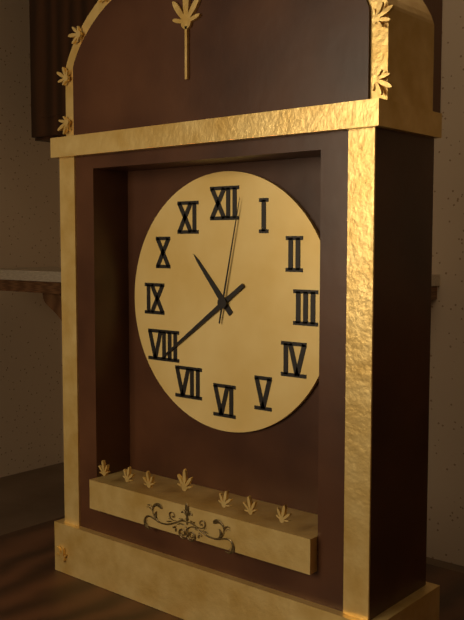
10,39,02
